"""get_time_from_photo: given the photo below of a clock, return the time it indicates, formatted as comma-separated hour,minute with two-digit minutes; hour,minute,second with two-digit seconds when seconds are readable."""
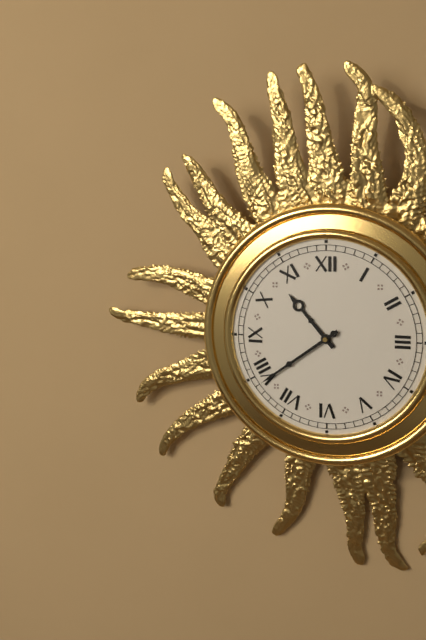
10,39
